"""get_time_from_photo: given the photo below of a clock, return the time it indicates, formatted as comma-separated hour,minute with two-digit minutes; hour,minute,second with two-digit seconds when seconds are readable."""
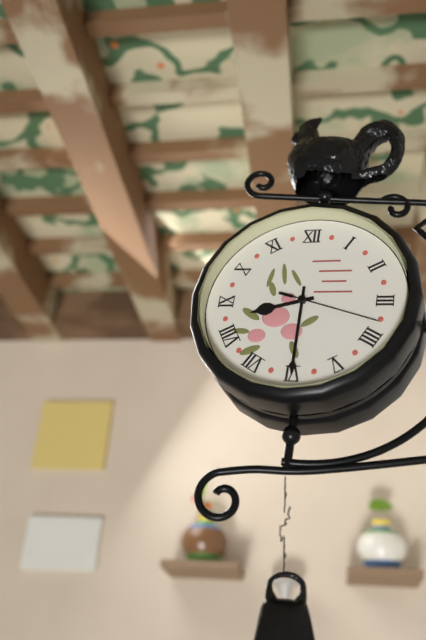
8,30,18
